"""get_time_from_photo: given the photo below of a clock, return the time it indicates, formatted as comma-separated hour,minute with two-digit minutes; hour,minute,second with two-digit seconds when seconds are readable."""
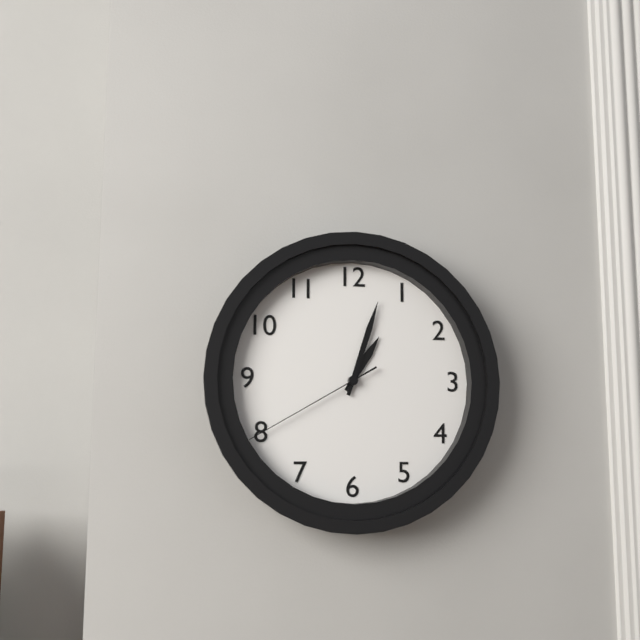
1,03,40
